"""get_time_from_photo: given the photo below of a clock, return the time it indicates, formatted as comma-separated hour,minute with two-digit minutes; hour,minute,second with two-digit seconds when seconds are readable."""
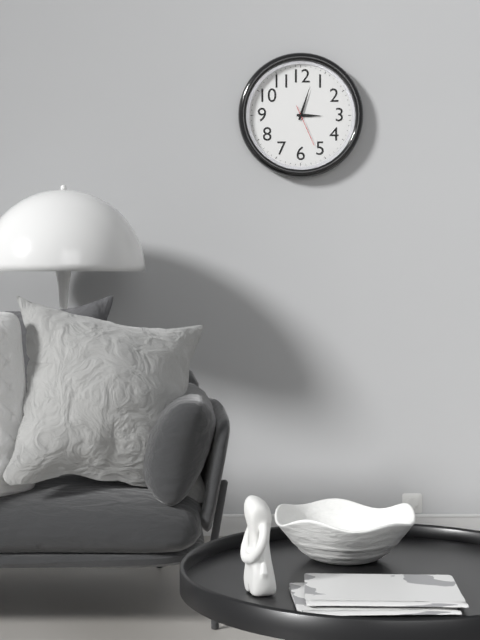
3,03
